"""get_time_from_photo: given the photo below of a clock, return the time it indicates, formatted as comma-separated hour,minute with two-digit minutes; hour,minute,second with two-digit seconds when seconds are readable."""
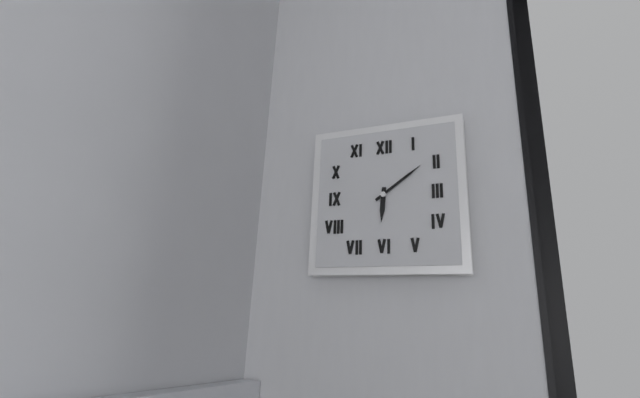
6,09
